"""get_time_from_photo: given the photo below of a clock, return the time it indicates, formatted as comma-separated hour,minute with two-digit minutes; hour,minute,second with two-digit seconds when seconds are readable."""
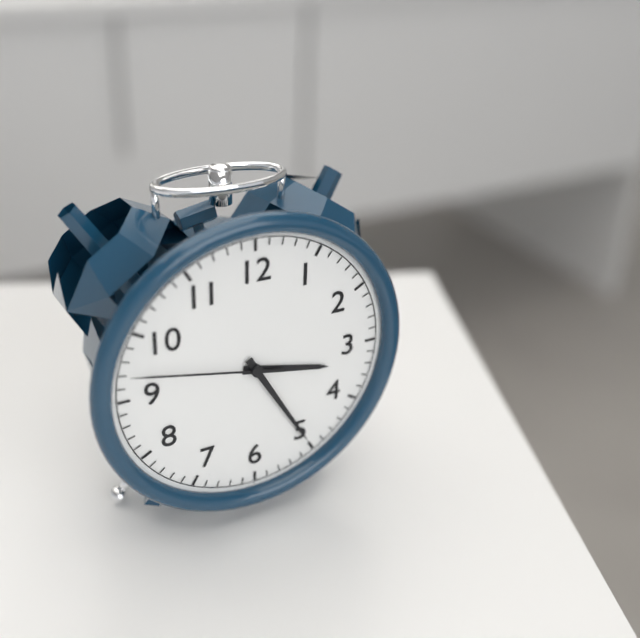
3,25,47
